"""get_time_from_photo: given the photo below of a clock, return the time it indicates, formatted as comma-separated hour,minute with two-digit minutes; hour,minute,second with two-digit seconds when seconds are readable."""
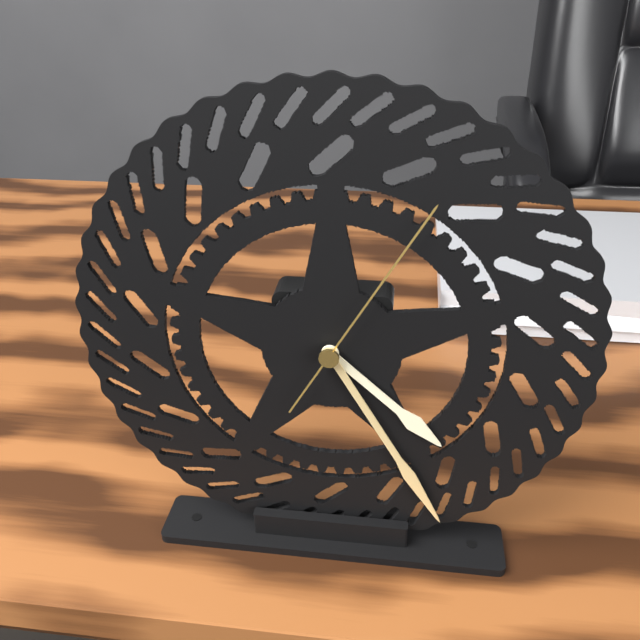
4,25,05
